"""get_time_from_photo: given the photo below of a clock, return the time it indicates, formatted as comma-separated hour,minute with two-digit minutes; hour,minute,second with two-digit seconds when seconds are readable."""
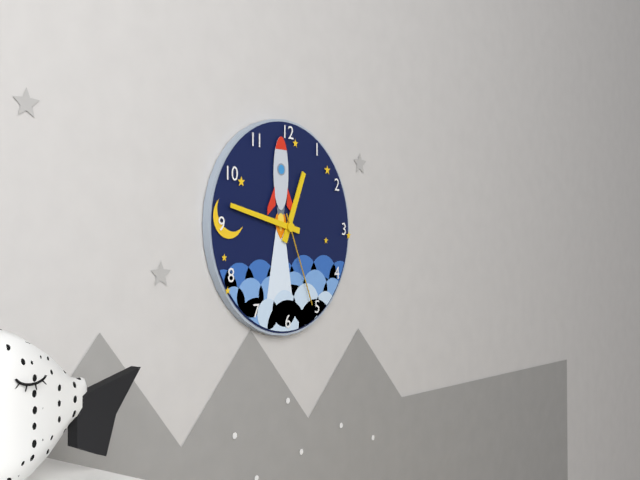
12,47,26
